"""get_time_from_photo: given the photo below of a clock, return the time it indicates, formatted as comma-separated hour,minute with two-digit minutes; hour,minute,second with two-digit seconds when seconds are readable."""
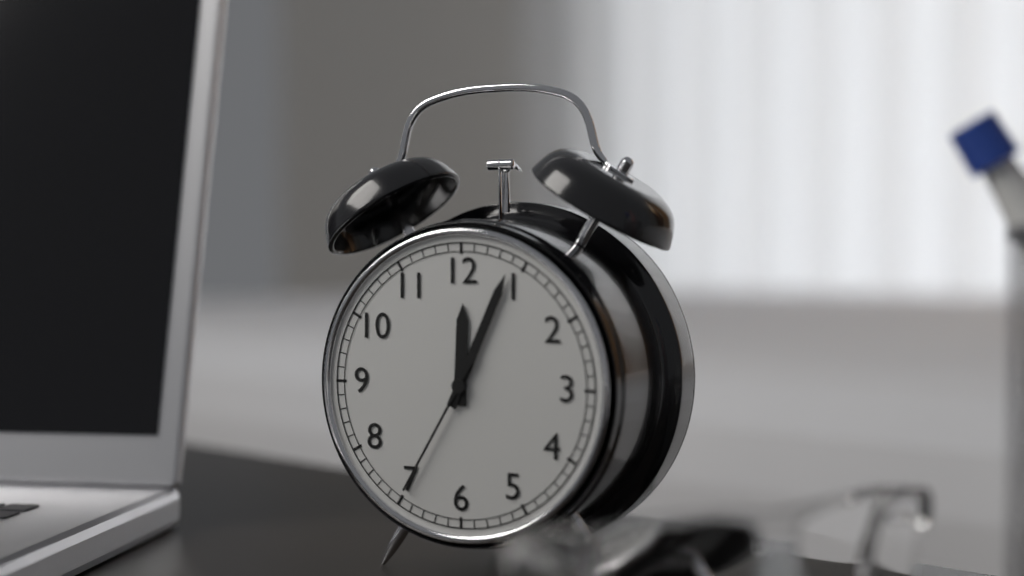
12,04,35
